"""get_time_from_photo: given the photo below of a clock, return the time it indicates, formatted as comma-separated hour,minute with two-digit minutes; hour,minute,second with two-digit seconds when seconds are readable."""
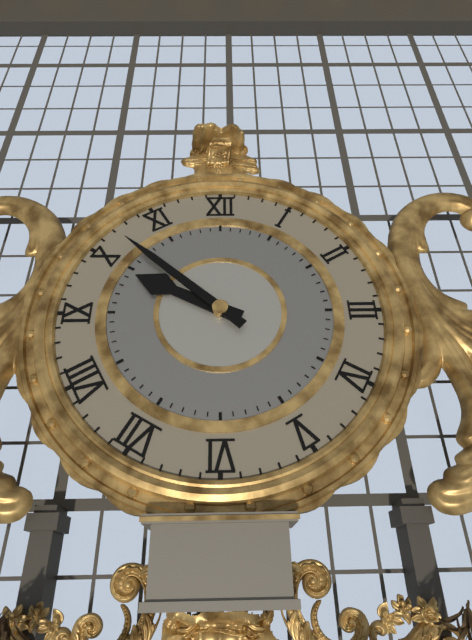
9,52
